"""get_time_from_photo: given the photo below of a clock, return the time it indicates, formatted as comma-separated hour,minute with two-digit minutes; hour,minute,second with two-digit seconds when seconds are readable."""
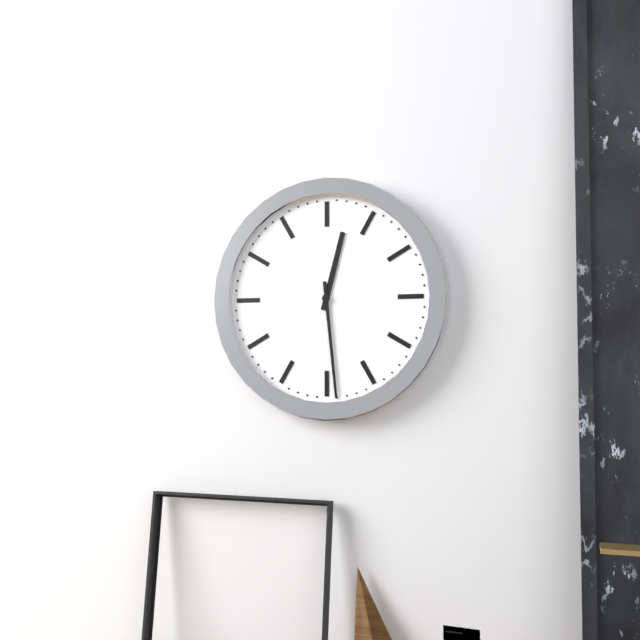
12,29
